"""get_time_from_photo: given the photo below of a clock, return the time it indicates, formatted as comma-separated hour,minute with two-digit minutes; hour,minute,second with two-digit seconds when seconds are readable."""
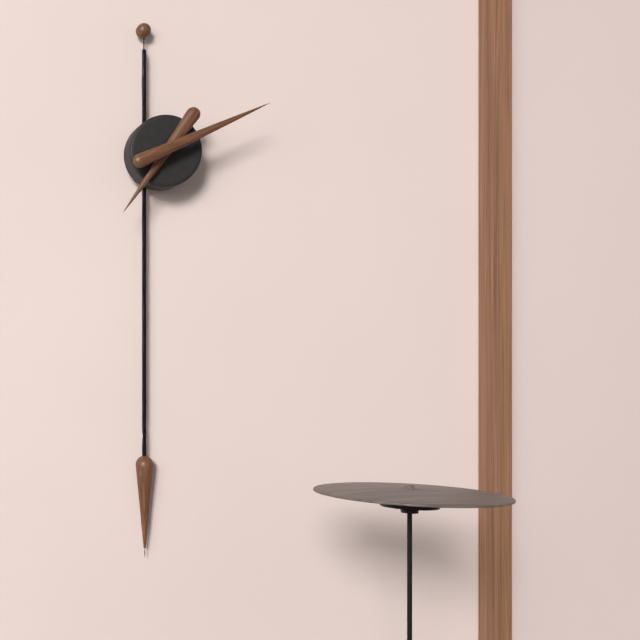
7,11
